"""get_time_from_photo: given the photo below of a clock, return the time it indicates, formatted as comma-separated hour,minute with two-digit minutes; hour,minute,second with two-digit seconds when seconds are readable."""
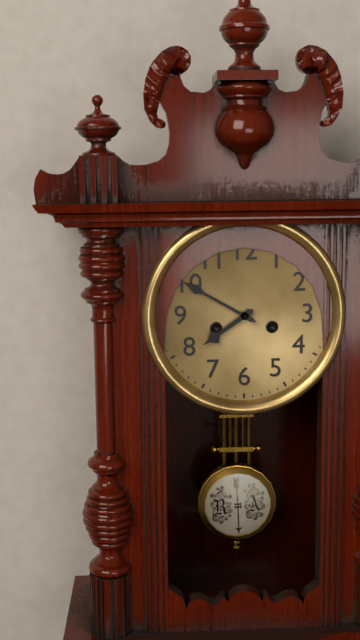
7,50
